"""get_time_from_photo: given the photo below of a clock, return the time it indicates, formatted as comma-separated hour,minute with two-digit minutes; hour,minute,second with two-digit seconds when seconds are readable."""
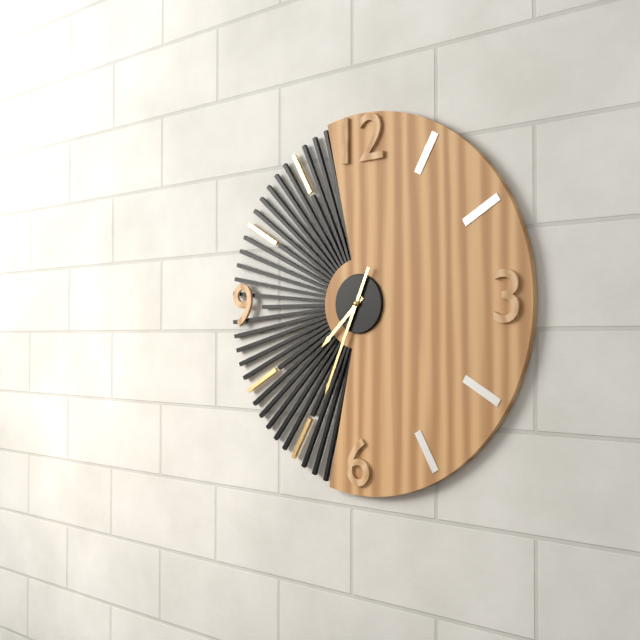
7,34
